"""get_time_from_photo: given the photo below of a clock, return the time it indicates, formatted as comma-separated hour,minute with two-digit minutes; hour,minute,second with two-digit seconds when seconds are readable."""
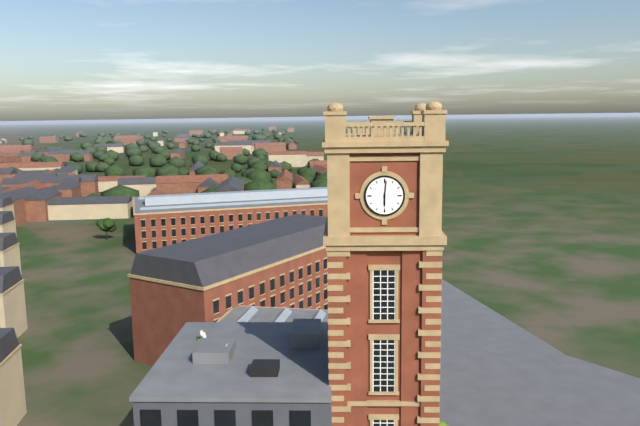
6,01
